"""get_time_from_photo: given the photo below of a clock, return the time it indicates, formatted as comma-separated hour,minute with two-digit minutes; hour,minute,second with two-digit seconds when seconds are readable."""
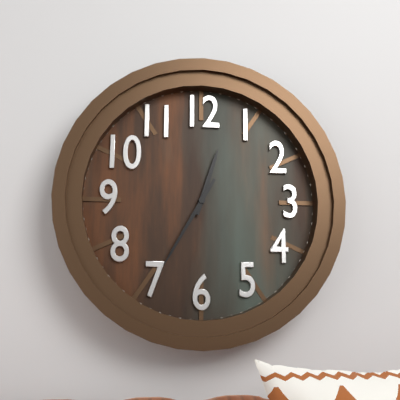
12,35
